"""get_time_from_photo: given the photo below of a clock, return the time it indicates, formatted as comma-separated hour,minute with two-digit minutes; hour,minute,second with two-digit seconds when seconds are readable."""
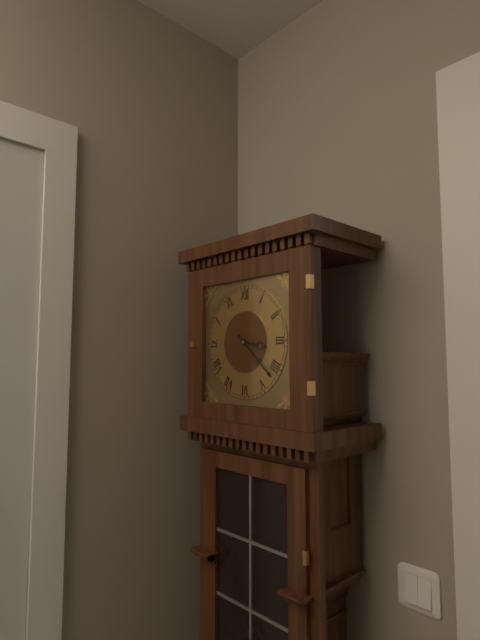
3,22
